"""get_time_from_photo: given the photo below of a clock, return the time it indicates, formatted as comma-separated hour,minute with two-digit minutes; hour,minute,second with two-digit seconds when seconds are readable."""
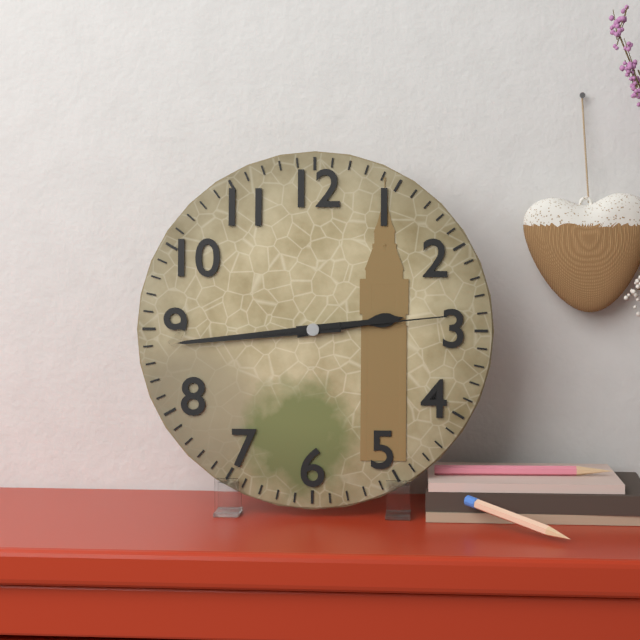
2,44,14
